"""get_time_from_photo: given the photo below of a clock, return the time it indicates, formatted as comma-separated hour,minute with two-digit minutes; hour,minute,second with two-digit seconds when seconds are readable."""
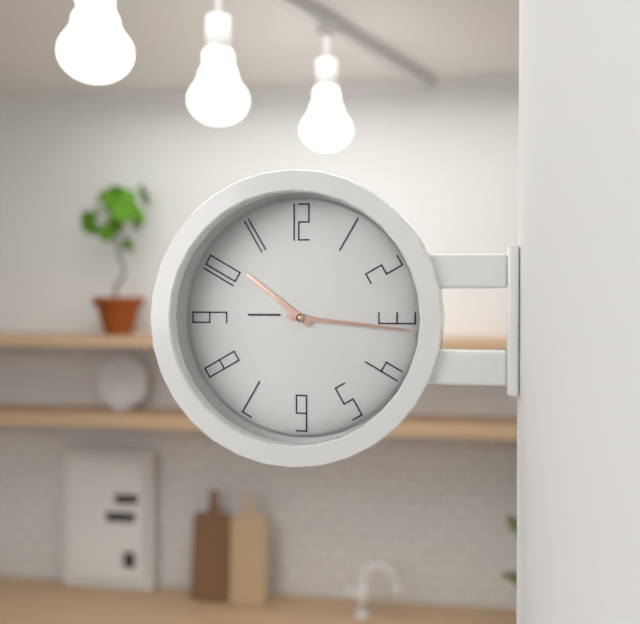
10,16
